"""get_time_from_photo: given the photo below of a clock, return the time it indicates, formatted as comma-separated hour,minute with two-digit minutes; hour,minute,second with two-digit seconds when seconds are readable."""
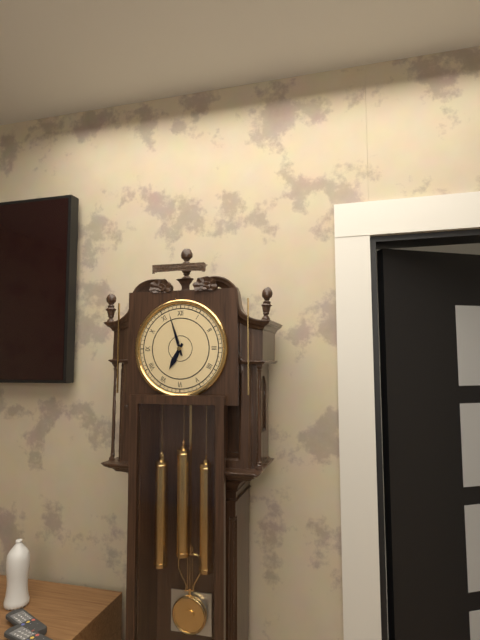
6,57
